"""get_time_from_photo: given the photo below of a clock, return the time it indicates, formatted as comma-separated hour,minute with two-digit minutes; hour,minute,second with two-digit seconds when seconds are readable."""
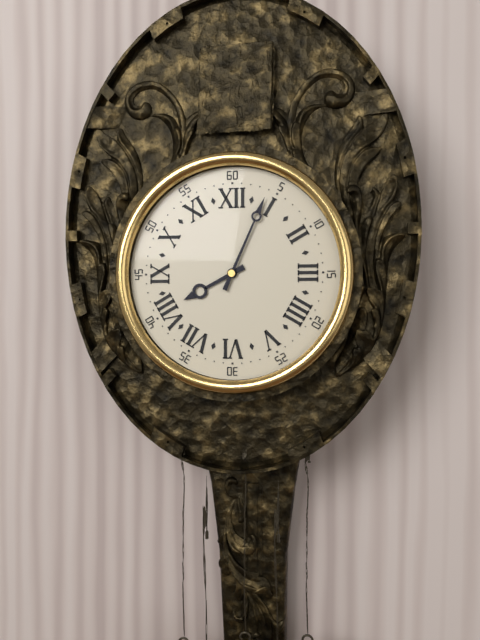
8,04
